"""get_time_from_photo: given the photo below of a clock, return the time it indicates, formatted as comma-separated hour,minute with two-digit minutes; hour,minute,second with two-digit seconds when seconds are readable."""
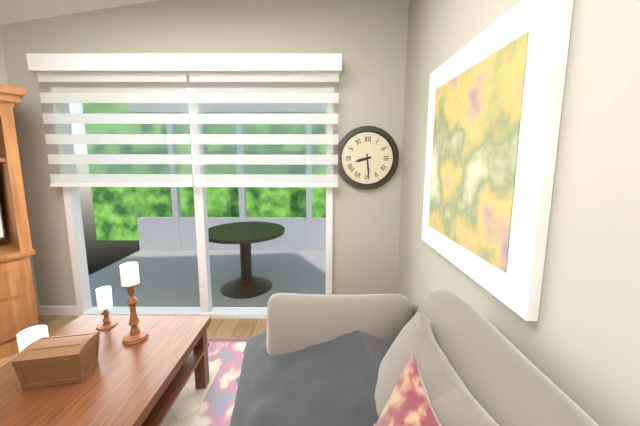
8,29
